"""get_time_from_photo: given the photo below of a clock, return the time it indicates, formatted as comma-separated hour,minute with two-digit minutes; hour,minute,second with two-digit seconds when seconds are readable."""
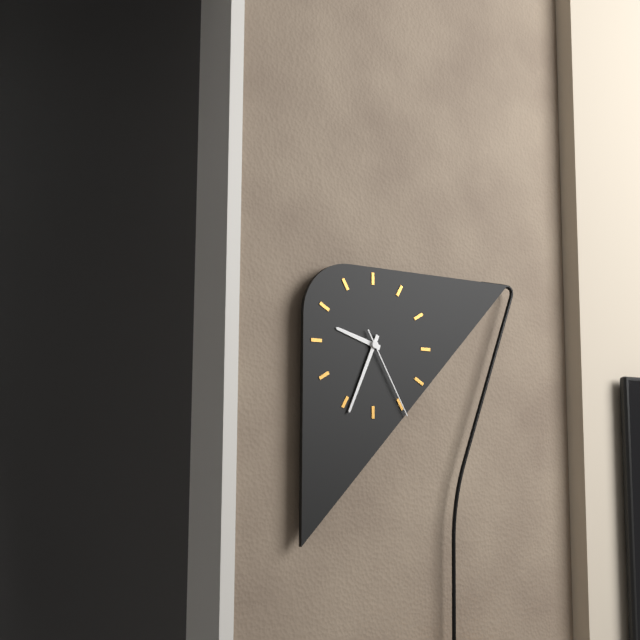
9,34,25
